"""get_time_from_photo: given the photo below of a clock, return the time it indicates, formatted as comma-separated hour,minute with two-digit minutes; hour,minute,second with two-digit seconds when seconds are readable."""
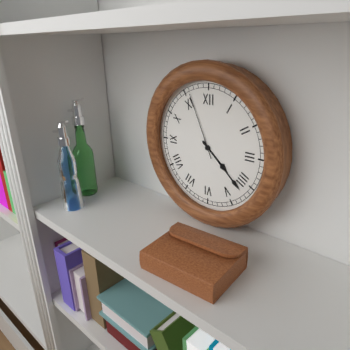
4,22,56
